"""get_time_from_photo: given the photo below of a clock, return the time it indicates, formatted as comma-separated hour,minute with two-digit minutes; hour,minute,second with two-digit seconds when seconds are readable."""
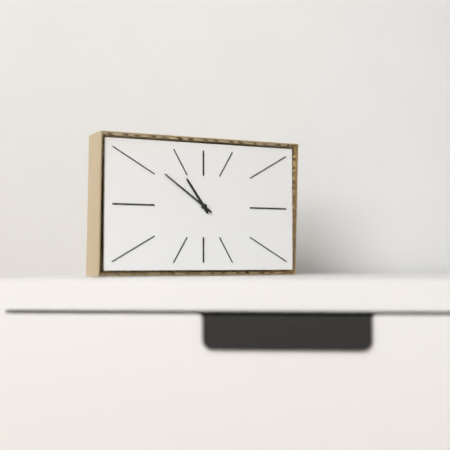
10,51
